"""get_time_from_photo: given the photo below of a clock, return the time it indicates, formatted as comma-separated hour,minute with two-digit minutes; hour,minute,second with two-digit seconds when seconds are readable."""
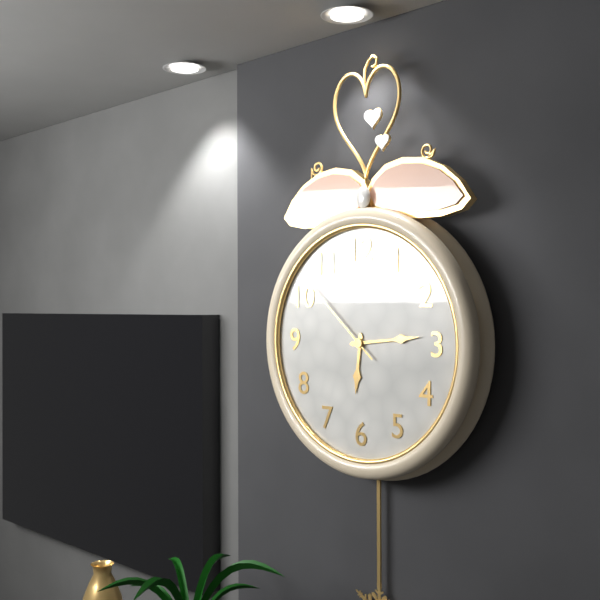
6,14,52
